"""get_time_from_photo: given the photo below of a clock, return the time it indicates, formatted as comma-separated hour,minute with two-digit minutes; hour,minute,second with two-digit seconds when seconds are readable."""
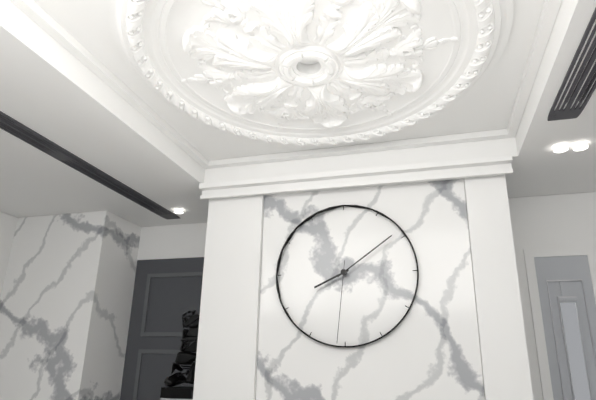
8,09,31
